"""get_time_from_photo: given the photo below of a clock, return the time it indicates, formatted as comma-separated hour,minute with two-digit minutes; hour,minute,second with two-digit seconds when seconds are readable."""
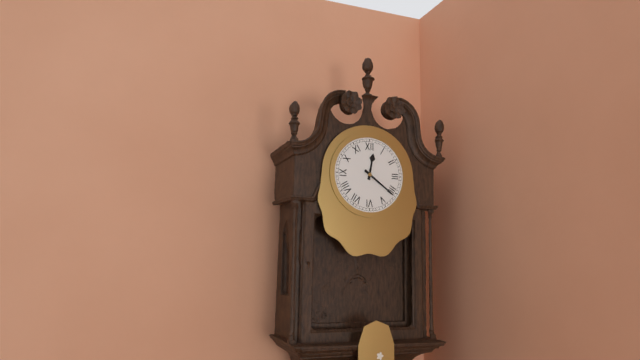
12,21
